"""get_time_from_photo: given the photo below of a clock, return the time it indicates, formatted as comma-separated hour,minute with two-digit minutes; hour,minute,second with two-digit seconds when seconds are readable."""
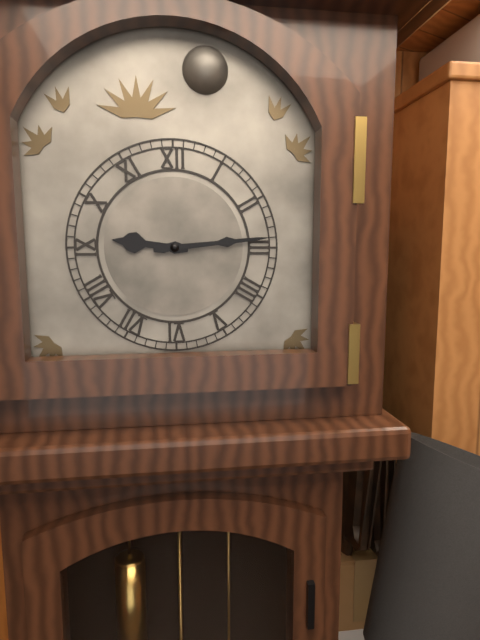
9,14
